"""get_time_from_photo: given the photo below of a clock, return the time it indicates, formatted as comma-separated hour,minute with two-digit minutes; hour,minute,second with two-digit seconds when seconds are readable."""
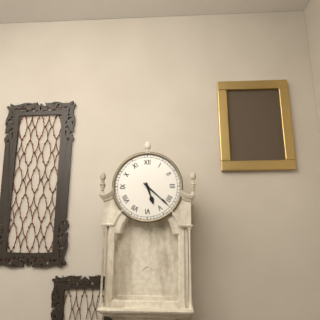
5,22
